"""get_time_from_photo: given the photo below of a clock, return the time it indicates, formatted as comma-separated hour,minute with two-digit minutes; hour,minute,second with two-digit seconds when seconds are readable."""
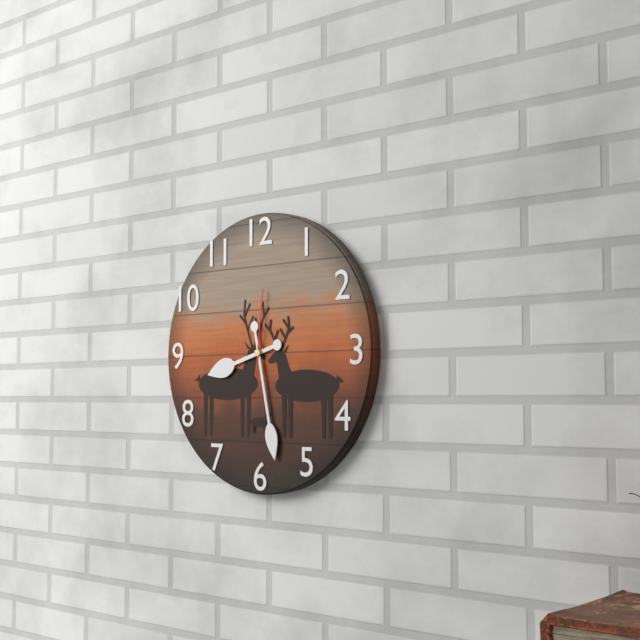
8,28,01
